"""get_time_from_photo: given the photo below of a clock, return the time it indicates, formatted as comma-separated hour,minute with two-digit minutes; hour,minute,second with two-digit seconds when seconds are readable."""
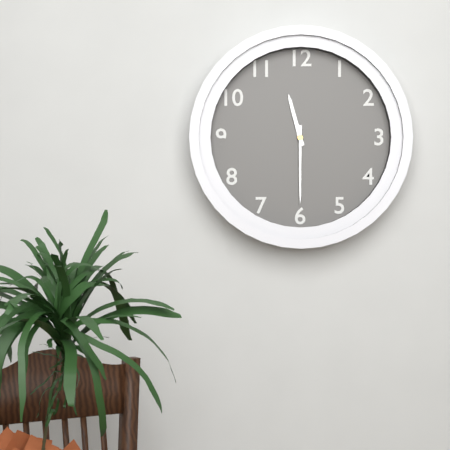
11,30
